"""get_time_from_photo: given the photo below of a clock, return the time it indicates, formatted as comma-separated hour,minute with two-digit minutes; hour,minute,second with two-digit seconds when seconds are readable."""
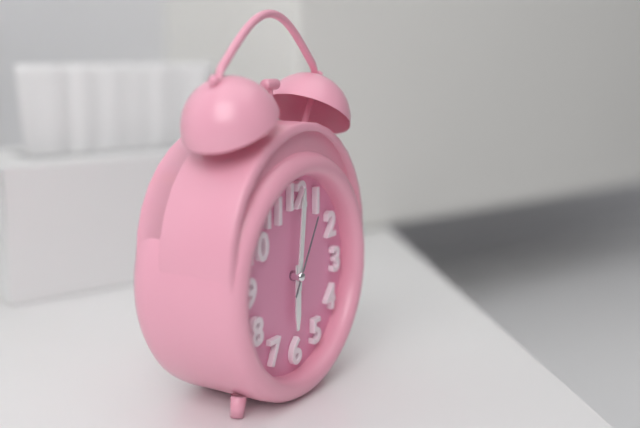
6,01,05
